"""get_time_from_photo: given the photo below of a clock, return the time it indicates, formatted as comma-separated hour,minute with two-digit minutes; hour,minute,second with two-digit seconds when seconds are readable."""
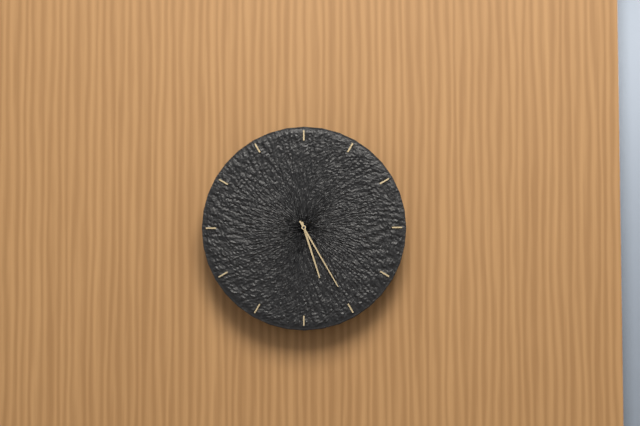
5,25
